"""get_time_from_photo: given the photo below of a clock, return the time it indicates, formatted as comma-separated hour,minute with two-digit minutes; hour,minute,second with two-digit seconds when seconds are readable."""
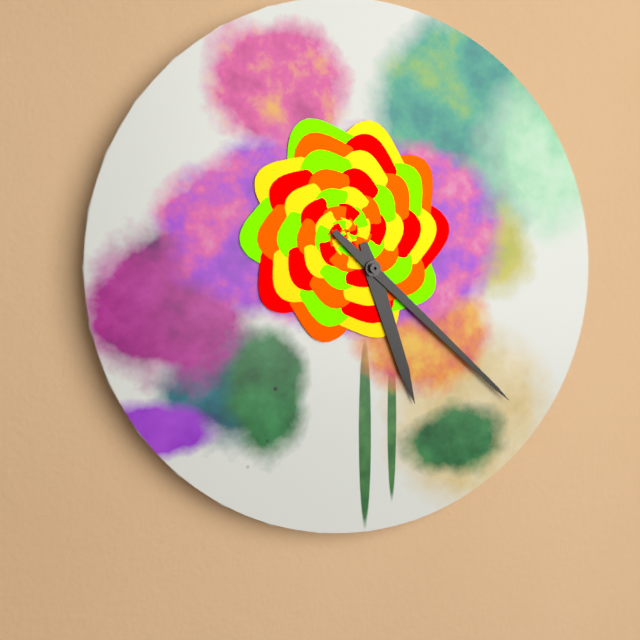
5,22
